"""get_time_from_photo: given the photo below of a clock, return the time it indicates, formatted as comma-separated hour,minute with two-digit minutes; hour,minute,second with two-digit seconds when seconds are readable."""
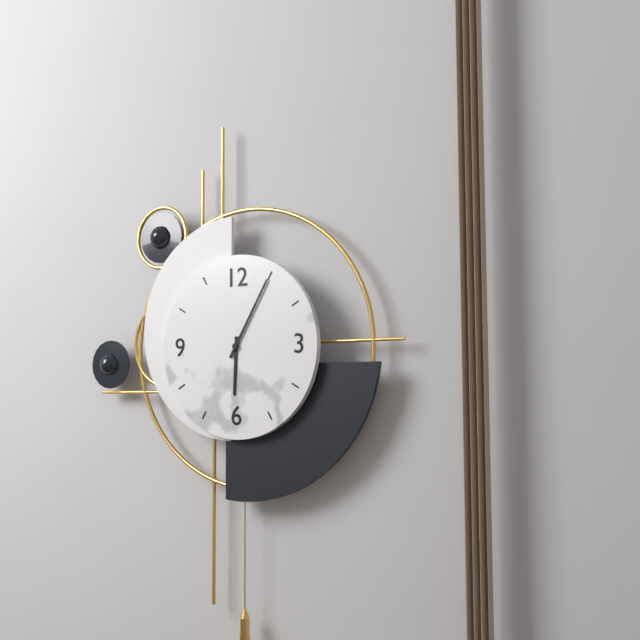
6,05
